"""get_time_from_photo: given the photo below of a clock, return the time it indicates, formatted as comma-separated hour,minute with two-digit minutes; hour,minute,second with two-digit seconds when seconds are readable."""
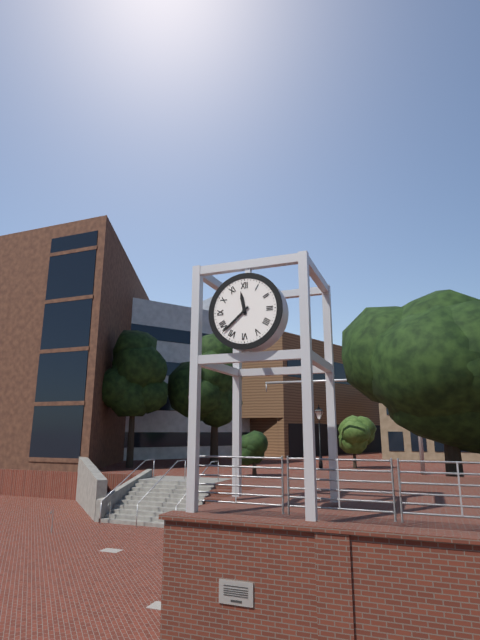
11,38
